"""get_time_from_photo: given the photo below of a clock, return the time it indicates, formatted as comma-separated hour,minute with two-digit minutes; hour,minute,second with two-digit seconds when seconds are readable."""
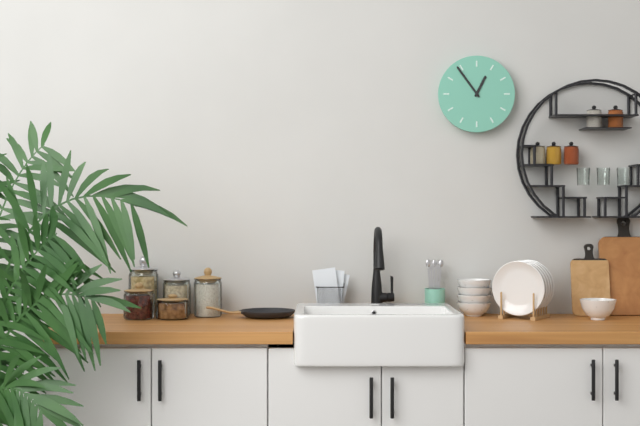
12,54
